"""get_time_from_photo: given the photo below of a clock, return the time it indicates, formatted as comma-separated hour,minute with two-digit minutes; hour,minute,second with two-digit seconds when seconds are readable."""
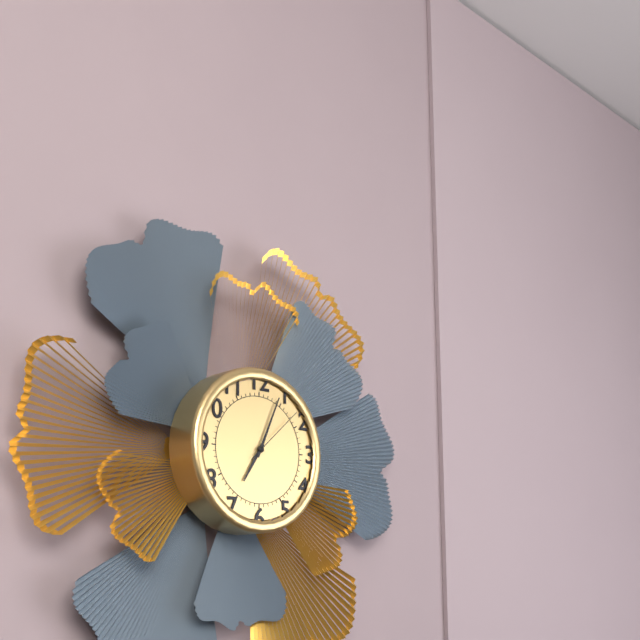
7,04,08
